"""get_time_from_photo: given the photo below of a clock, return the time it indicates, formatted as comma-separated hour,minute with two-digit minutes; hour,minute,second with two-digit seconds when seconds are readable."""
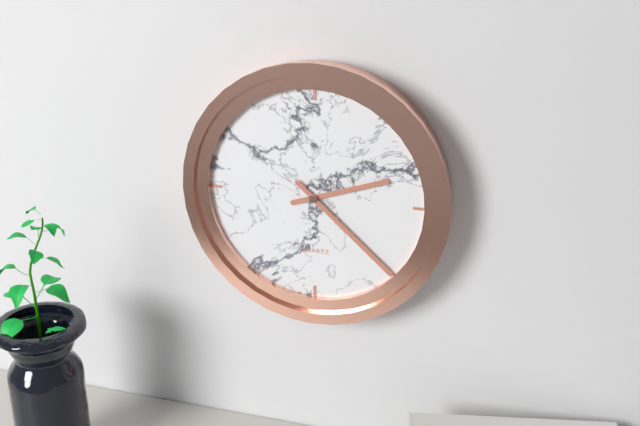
2,22
